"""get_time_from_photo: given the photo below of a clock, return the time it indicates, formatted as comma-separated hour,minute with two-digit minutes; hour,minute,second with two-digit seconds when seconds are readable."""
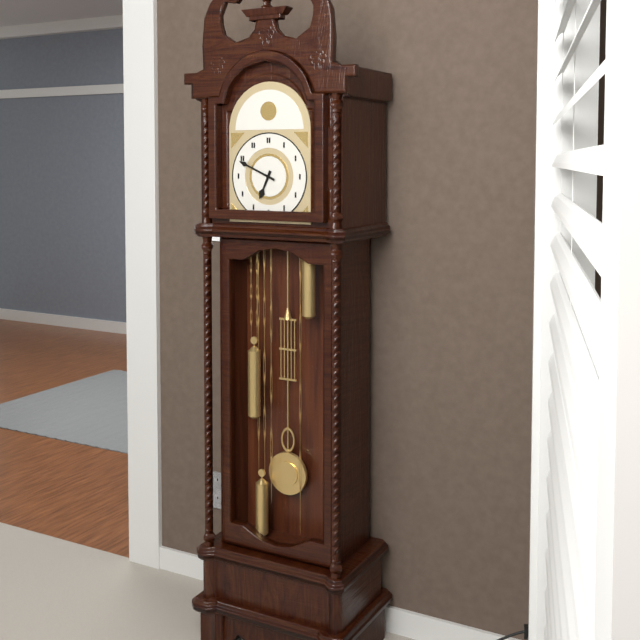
6,49
